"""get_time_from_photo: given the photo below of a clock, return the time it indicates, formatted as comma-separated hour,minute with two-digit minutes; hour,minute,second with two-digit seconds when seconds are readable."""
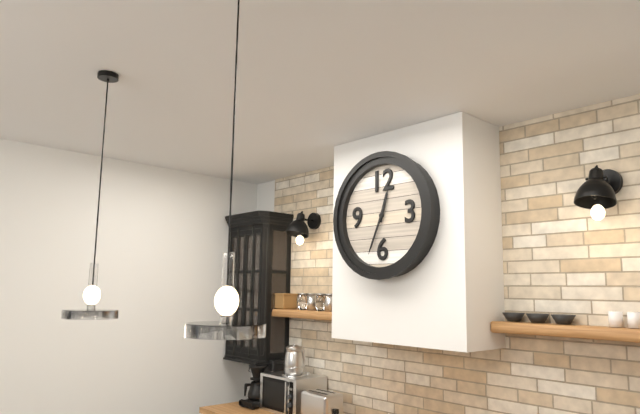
12,34
